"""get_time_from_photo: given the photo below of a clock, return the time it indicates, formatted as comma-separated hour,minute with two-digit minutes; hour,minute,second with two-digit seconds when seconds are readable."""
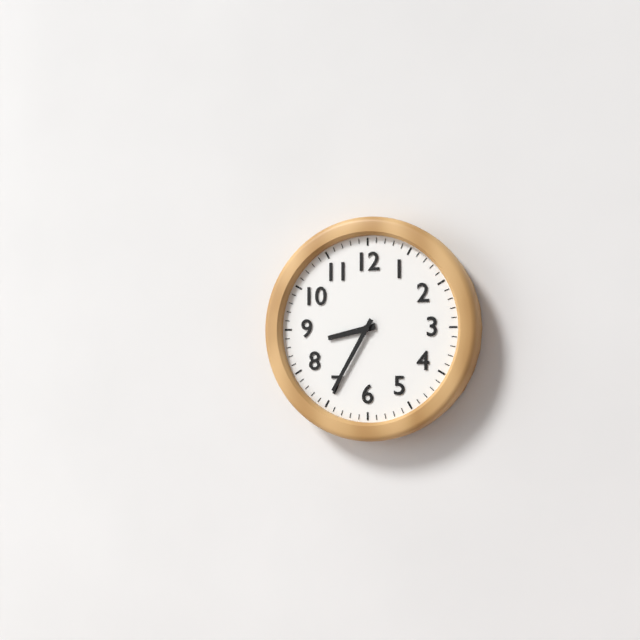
8,35
